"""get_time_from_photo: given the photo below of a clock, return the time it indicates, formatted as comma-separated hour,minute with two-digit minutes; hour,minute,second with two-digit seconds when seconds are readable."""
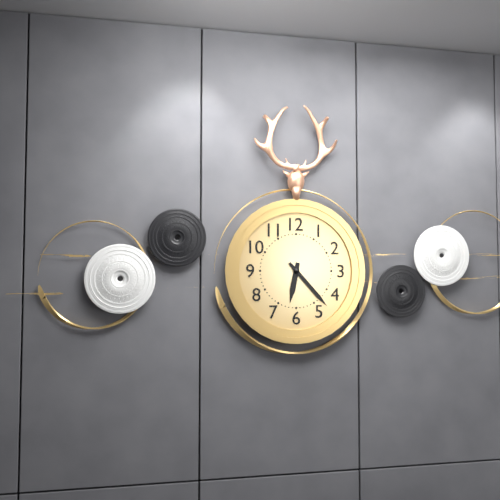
6,23
